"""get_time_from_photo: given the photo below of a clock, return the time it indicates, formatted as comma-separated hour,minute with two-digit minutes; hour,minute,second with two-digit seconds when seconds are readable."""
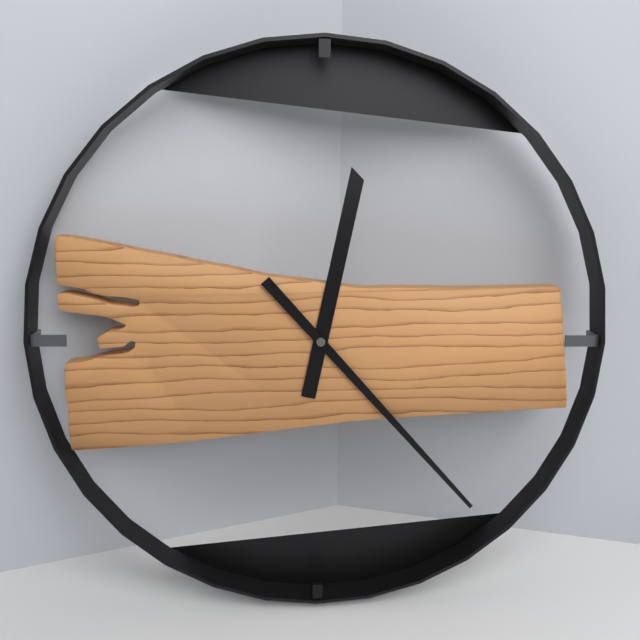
12,23
